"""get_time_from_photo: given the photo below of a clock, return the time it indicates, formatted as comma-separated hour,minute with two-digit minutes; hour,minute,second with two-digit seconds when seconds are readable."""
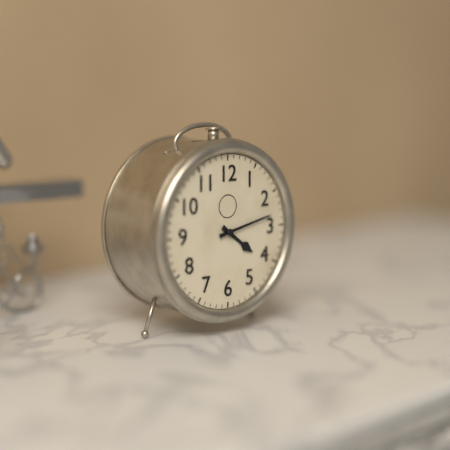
4,13
